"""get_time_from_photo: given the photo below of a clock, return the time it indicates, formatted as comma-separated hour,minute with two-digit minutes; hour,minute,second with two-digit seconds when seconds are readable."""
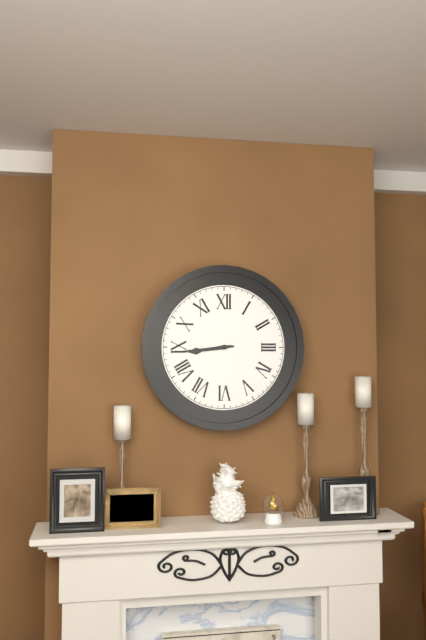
8,44
